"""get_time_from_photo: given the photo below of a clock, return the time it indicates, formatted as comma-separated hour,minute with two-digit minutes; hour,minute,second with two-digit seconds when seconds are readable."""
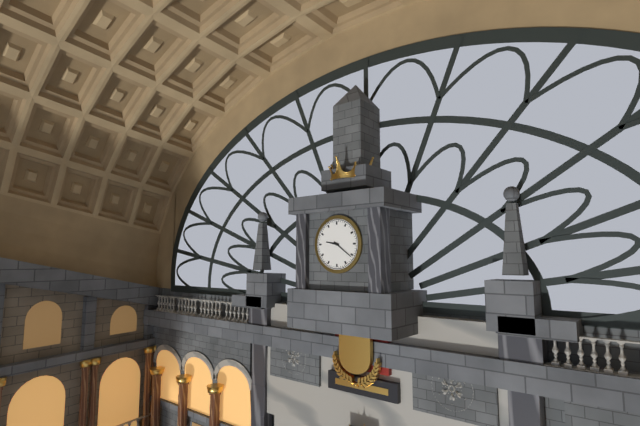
9,21
